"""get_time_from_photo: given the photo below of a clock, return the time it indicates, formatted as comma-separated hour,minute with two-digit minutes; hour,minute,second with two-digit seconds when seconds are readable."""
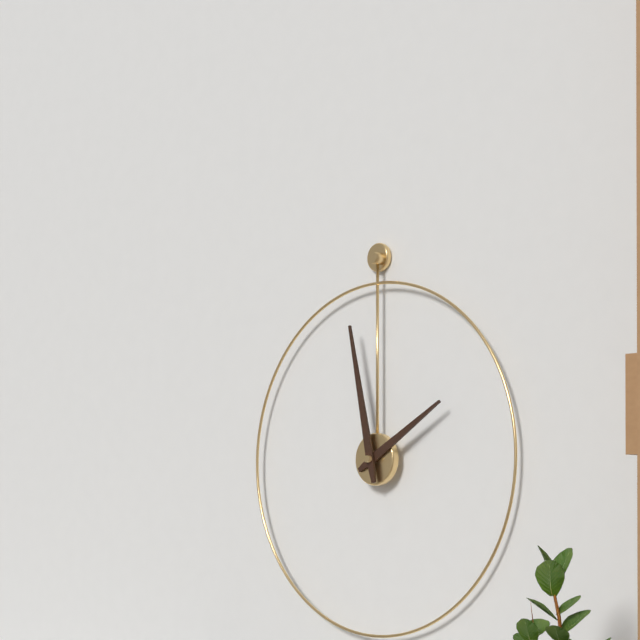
1,58
